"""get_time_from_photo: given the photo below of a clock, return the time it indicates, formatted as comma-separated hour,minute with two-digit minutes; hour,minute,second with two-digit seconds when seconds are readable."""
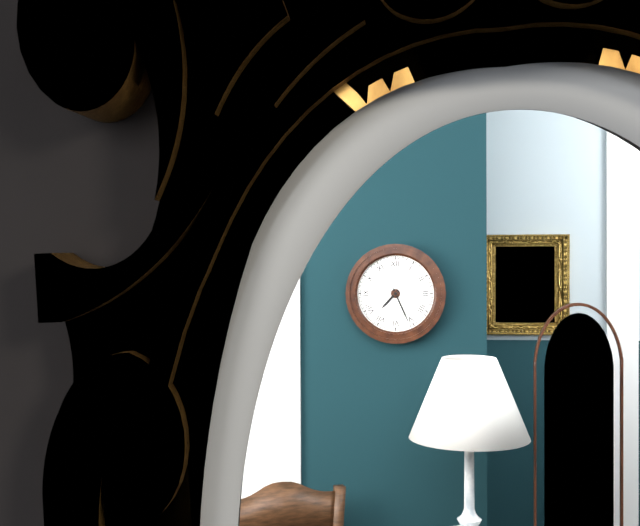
7,26
